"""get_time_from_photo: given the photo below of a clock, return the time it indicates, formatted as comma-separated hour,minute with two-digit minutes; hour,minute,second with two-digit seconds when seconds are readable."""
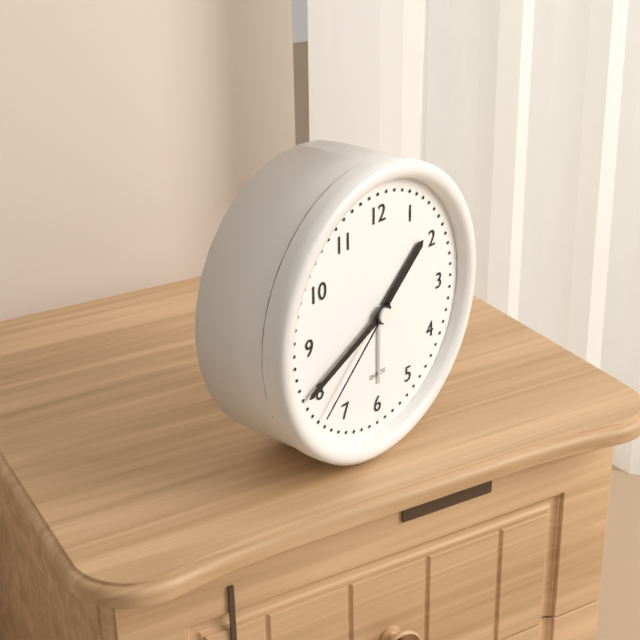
1,41,38
